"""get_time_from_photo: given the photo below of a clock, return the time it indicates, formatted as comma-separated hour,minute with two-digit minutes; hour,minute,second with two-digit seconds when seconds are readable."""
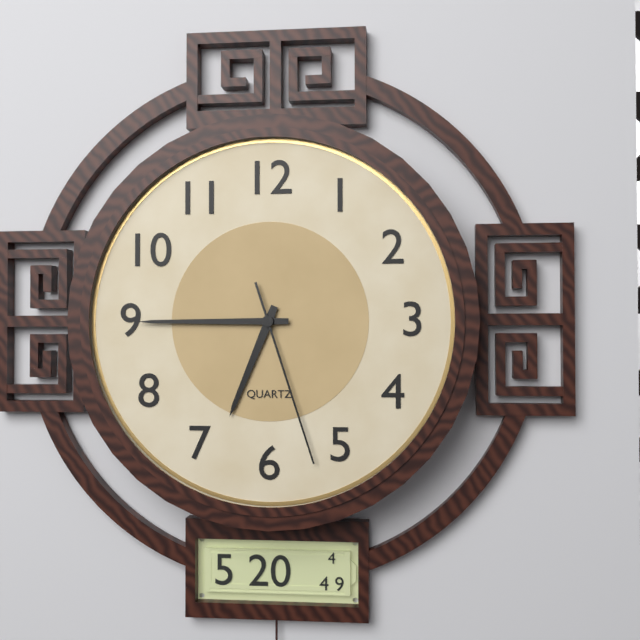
6,45,27
